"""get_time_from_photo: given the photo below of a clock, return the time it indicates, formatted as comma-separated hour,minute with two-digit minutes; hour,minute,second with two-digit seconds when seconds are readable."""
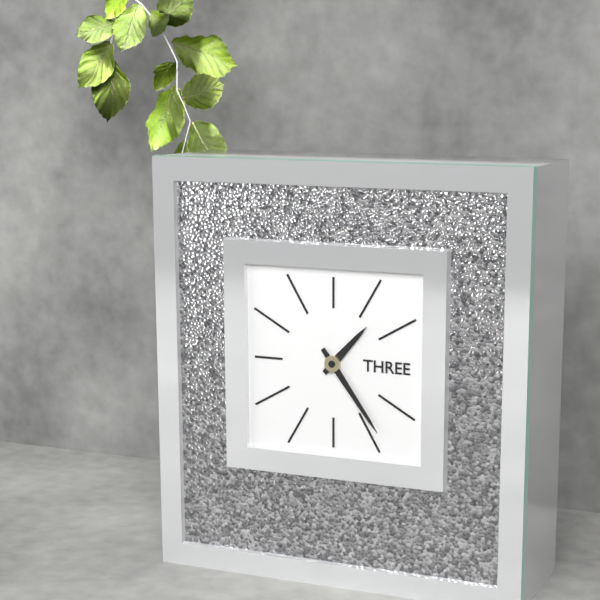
1,24
